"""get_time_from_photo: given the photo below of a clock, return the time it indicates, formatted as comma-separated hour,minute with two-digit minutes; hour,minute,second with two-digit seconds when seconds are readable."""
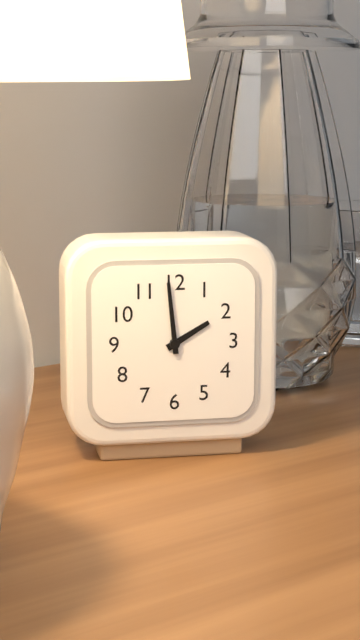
1,59
